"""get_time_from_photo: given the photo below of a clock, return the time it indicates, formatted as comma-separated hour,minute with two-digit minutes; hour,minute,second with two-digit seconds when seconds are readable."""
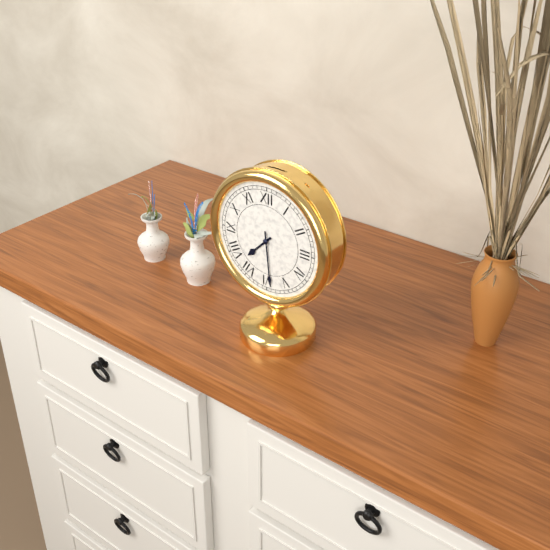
7,29
